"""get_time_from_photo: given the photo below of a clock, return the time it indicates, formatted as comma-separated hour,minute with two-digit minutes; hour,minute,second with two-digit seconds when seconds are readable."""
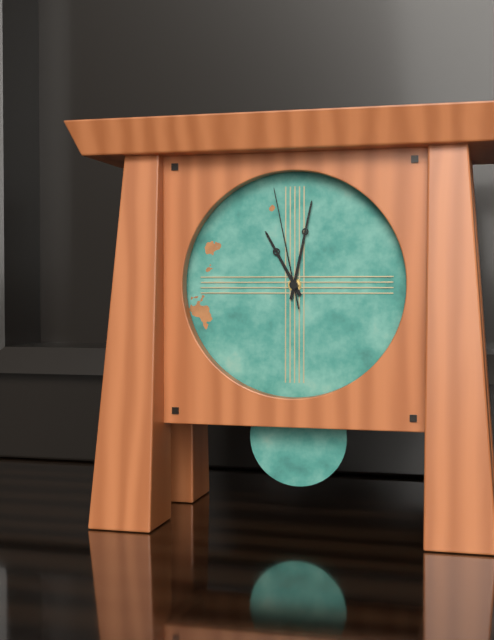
11,02,58
